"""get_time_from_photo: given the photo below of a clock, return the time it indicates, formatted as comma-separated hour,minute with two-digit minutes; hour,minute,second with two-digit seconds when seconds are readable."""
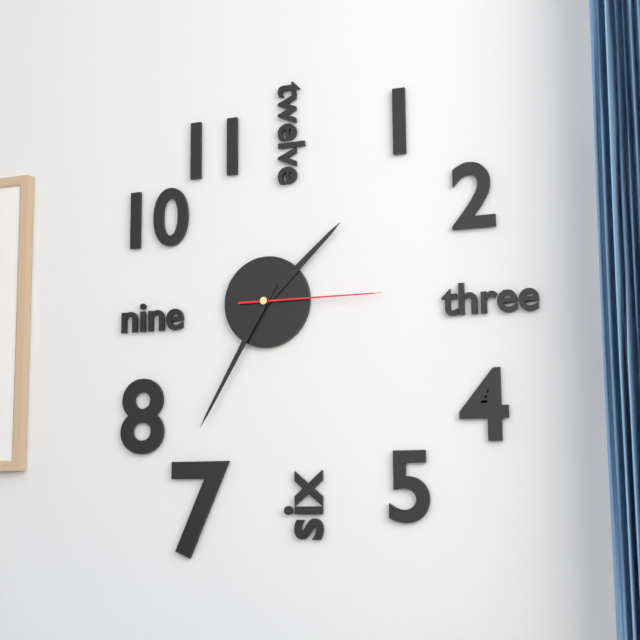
1,35,15
